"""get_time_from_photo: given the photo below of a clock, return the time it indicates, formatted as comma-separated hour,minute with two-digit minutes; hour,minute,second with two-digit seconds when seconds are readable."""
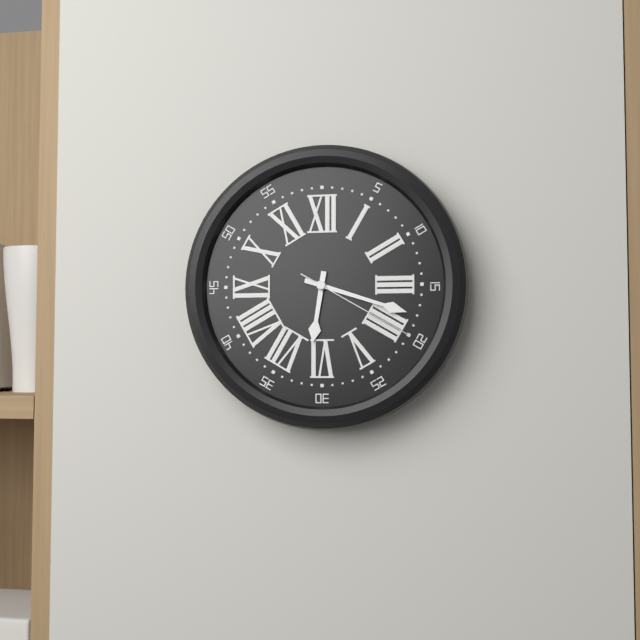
6,18,20
